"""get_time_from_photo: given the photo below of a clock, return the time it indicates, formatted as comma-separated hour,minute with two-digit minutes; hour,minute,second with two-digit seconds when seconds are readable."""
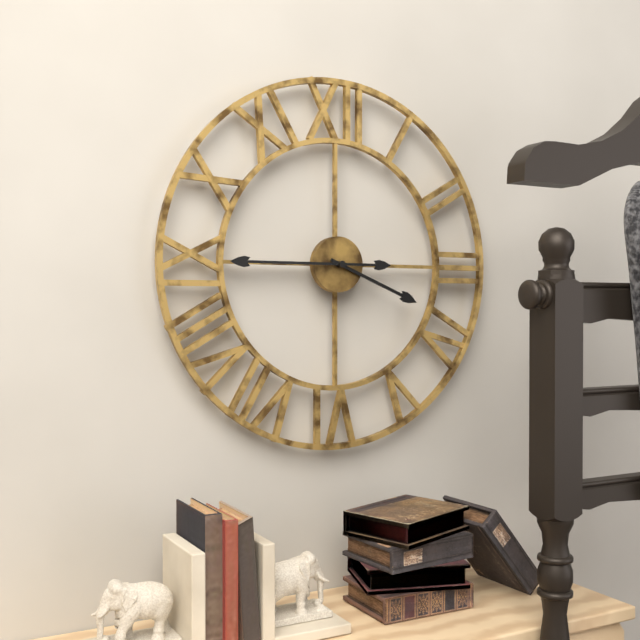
3,45
